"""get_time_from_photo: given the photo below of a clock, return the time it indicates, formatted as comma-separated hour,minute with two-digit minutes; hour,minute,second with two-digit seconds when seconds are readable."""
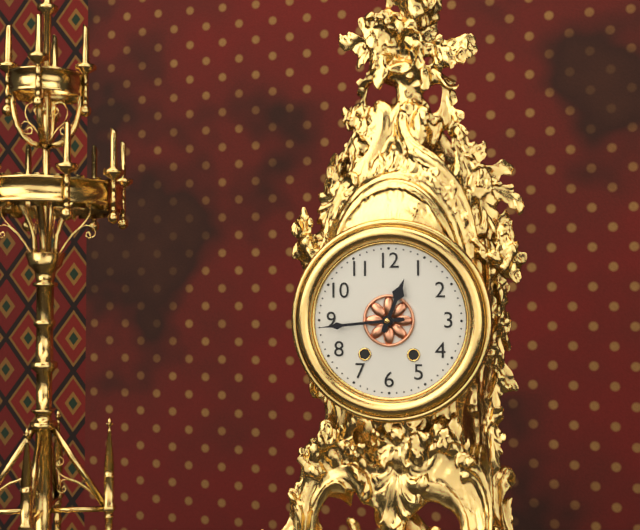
12,44
